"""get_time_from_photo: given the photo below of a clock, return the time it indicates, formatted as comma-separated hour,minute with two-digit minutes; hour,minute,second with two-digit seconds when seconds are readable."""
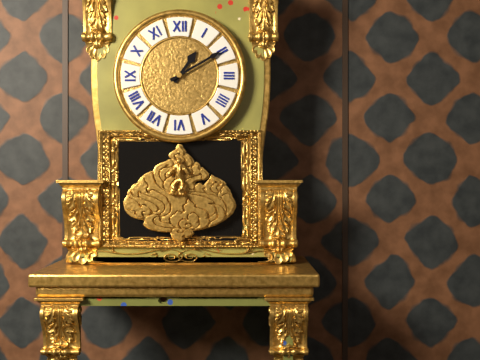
1,10
